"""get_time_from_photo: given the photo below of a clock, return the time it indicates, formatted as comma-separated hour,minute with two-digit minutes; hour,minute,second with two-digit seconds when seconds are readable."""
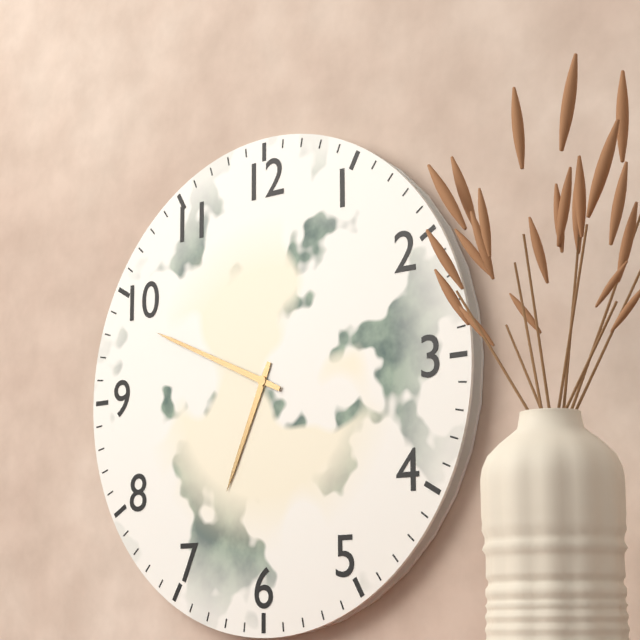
6,49
